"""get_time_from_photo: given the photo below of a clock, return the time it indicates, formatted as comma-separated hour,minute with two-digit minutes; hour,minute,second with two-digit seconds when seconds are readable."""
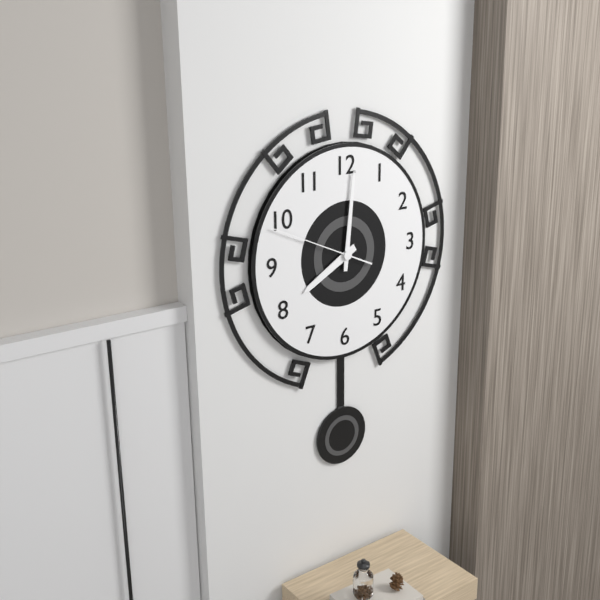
8,01,49
